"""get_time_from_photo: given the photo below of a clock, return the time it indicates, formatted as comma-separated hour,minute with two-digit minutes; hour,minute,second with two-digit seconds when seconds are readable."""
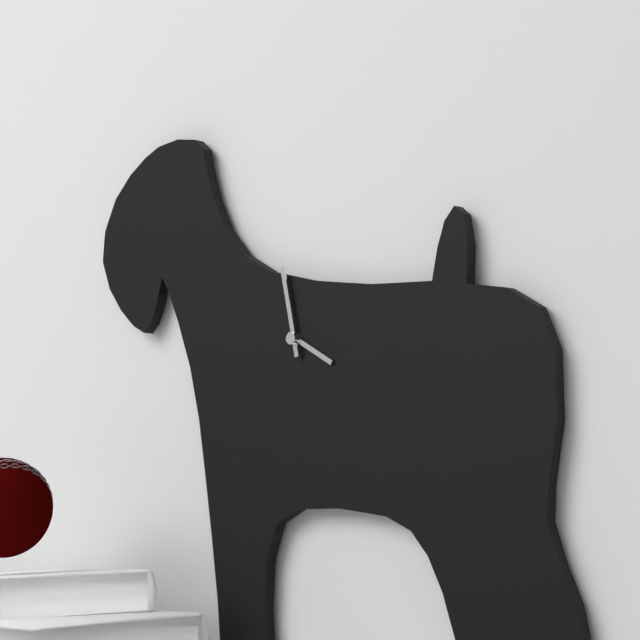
3,58
